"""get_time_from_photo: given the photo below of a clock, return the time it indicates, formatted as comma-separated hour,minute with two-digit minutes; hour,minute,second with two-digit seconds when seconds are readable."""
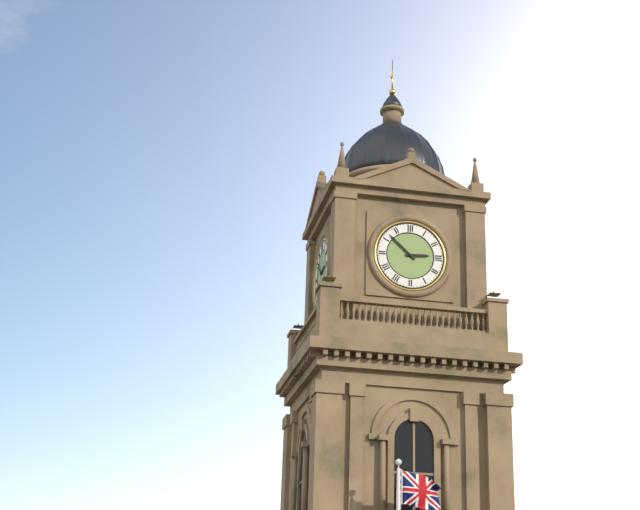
2,52
